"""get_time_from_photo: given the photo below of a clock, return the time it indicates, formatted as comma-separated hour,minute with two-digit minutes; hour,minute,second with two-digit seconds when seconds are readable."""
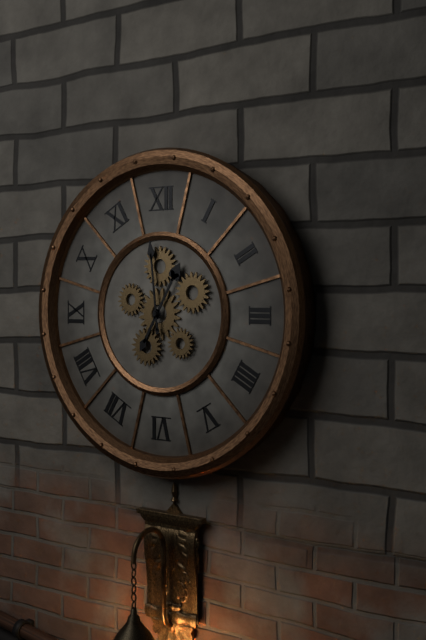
12,59
